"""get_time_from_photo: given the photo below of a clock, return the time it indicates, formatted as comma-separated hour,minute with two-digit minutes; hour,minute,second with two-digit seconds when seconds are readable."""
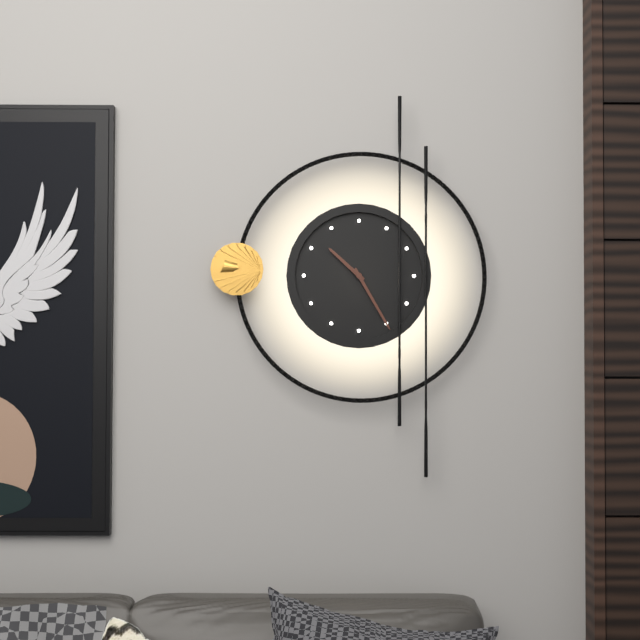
10,25
